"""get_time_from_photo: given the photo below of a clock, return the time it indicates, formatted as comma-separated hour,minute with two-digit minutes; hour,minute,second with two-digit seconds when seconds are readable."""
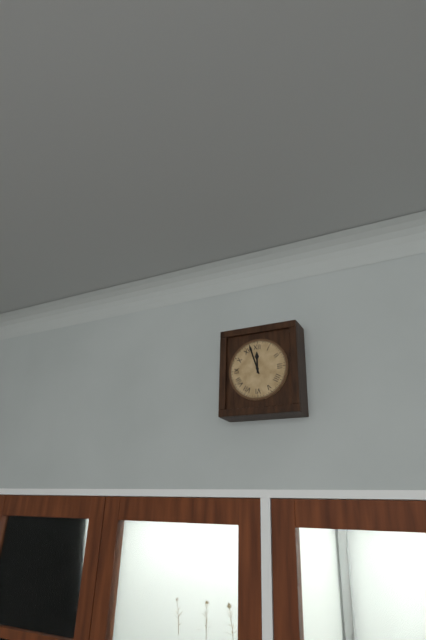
11,57
